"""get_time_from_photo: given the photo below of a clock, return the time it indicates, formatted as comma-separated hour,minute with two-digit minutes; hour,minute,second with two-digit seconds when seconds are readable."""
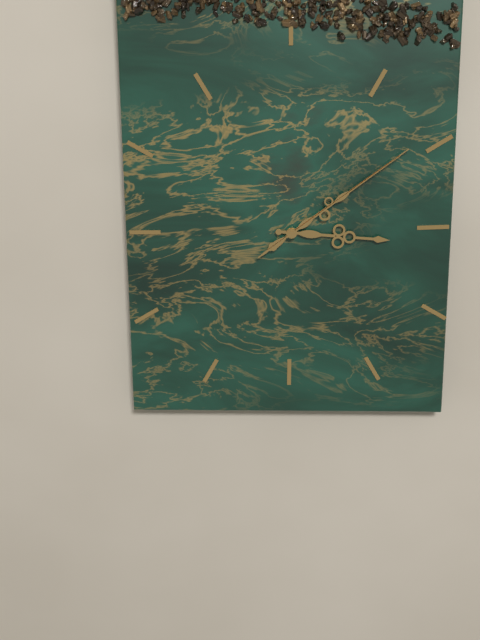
3,09,09
